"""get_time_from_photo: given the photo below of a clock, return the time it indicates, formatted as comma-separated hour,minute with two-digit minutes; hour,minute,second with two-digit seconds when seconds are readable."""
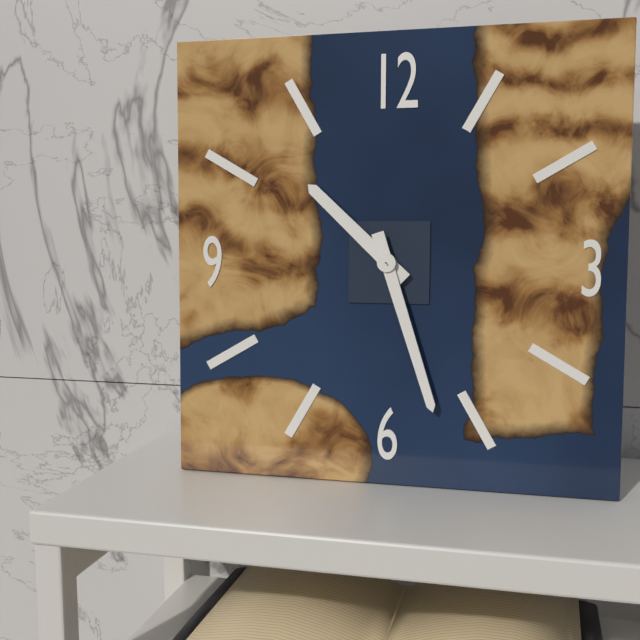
10,27
